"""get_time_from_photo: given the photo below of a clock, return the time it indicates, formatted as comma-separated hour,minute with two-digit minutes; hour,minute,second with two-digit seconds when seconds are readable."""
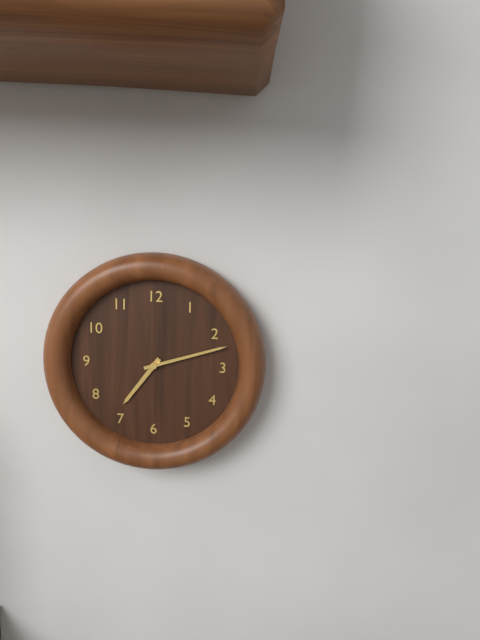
7,12
